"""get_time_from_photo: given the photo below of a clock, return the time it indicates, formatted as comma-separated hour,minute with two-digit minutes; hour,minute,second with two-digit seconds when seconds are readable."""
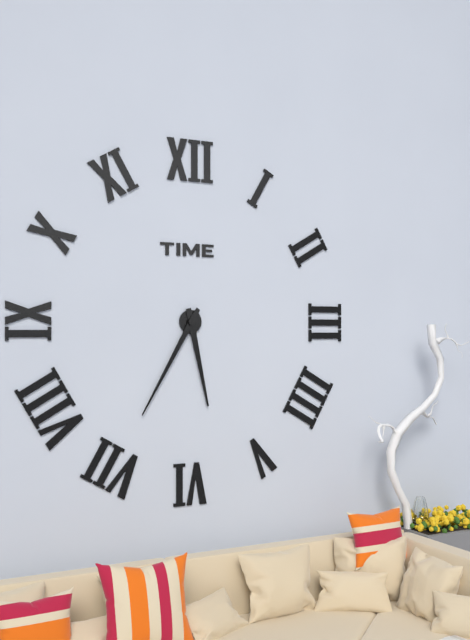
5,35
